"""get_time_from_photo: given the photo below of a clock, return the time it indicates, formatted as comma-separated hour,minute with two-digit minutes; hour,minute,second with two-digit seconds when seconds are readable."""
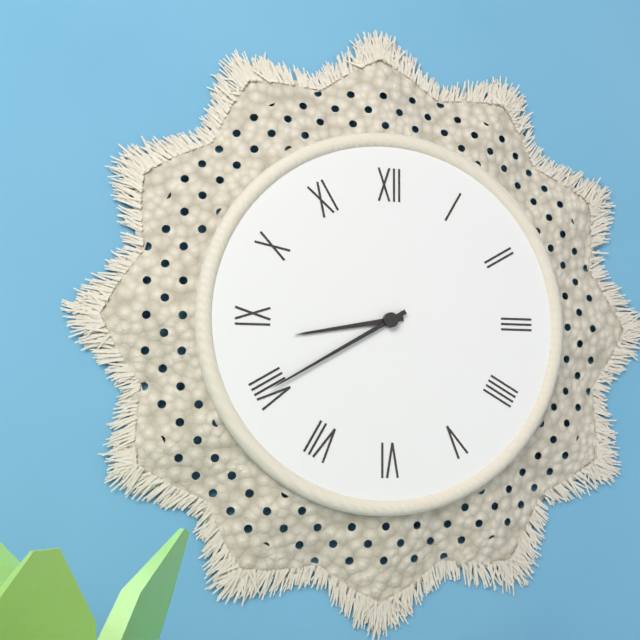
8,40
